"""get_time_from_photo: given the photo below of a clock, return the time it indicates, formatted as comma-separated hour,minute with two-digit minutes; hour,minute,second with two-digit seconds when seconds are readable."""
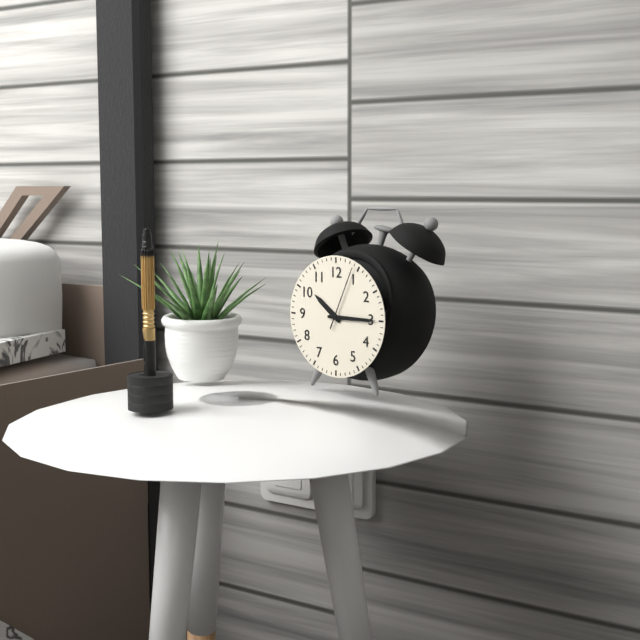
10,15,04
